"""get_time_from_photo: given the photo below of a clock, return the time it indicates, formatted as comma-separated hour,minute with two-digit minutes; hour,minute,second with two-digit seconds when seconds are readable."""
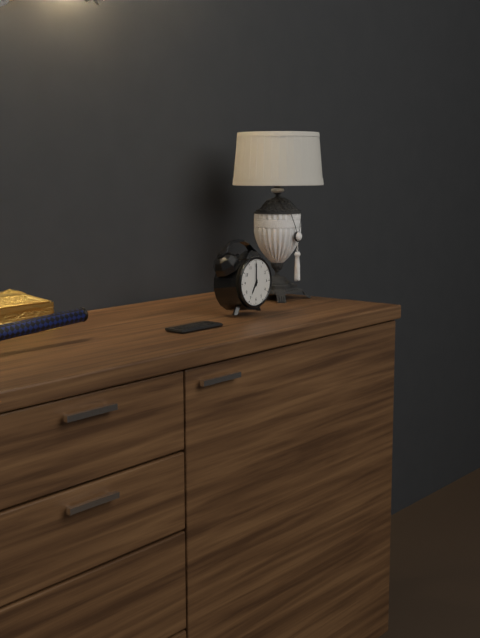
7,00
